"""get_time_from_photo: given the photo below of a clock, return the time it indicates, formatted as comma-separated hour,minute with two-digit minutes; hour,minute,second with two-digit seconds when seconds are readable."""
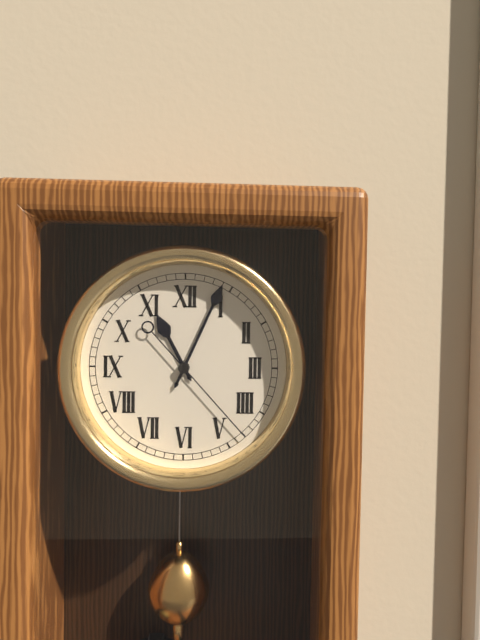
11,04,23
